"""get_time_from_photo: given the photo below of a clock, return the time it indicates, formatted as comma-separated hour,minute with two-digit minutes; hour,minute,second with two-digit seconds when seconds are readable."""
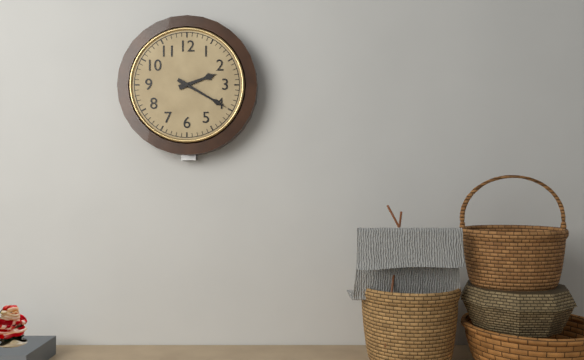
2,20
